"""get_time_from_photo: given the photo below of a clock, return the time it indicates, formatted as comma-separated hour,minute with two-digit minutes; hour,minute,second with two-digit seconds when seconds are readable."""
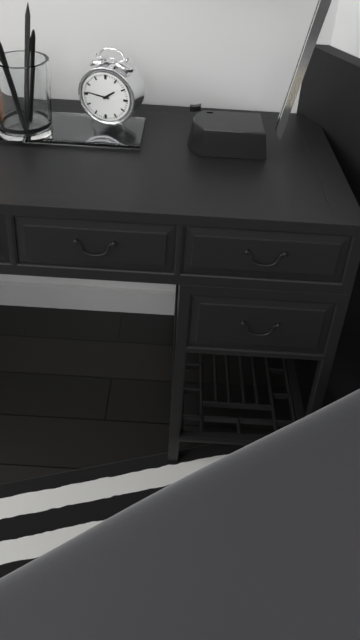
1,46
